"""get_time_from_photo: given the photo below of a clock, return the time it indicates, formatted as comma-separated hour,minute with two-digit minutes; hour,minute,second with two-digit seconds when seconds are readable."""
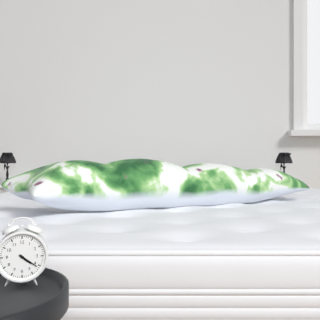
4,21
